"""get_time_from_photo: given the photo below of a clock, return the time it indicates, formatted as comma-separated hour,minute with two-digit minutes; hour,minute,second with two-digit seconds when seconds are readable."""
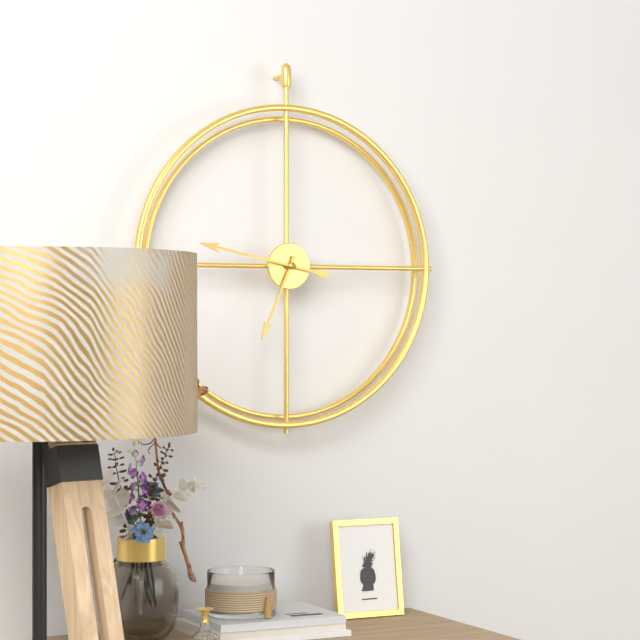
6,47
